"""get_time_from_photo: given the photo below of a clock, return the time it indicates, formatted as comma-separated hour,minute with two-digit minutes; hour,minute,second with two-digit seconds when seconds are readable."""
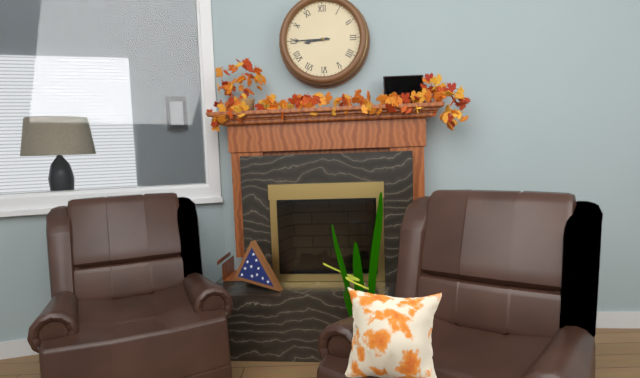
8,45
